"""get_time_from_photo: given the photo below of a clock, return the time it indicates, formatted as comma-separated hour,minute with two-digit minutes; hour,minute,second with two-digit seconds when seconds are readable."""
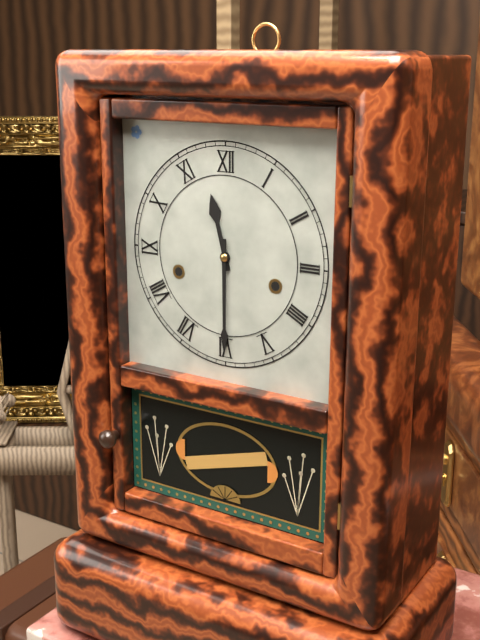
11,30
